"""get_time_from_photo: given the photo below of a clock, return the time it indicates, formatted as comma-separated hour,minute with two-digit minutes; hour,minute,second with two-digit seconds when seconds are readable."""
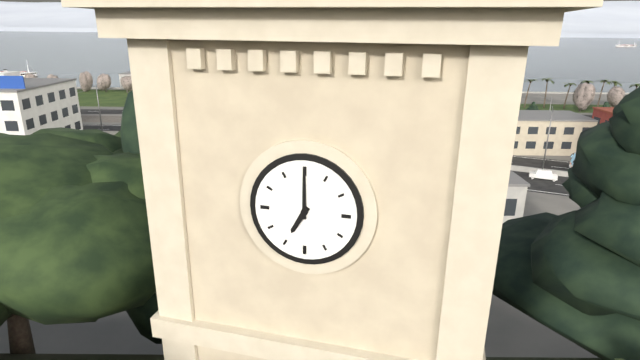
7,00
